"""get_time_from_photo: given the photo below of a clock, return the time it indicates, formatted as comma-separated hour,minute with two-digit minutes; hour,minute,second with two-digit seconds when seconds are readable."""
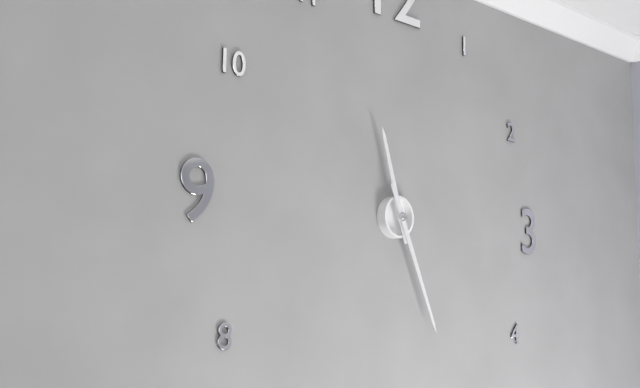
11,26
